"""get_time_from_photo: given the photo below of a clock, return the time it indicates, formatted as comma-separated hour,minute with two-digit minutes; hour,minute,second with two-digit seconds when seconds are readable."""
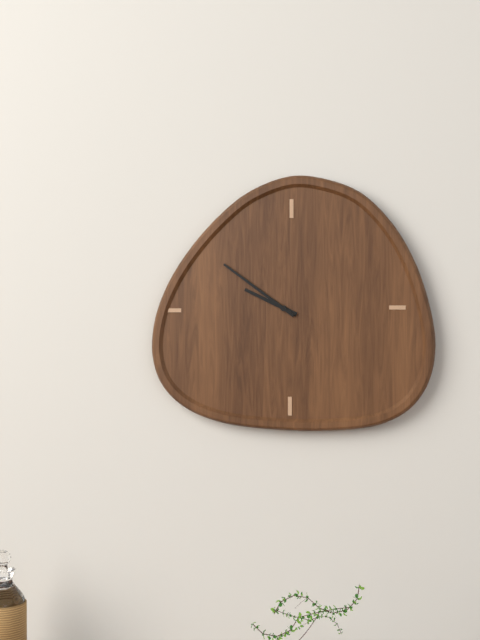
9,51
